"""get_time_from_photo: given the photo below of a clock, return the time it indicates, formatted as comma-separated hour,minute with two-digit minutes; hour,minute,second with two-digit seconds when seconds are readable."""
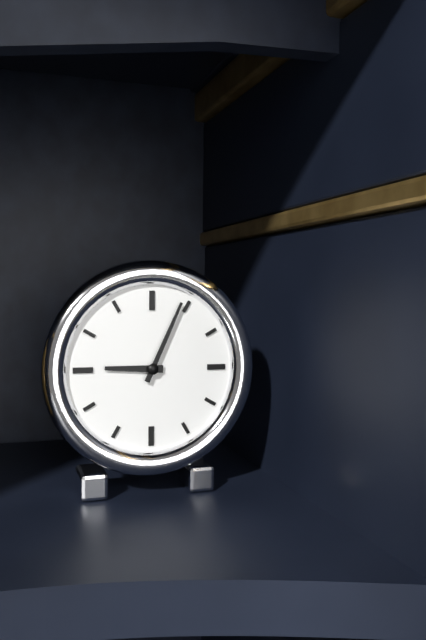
9,04
